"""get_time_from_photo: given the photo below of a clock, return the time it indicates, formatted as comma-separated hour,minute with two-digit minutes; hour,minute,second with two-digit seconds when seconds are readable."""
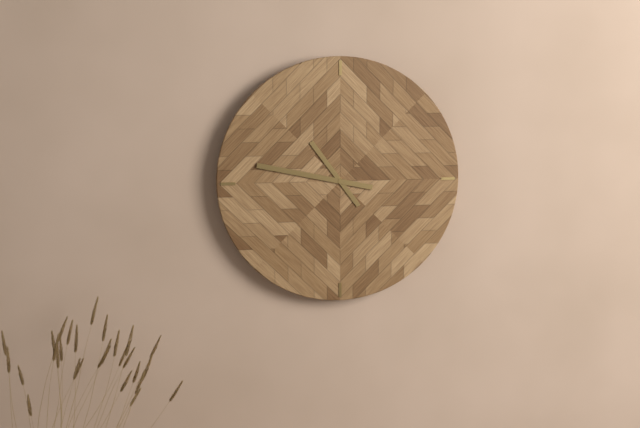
10,47
